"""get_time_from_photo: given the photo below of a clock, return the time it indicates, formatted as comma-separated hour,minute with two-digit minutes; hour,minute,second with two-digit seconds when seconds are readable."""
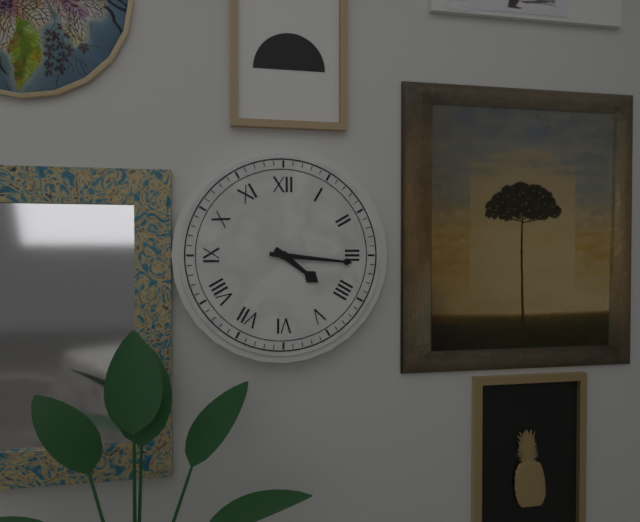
4,16
